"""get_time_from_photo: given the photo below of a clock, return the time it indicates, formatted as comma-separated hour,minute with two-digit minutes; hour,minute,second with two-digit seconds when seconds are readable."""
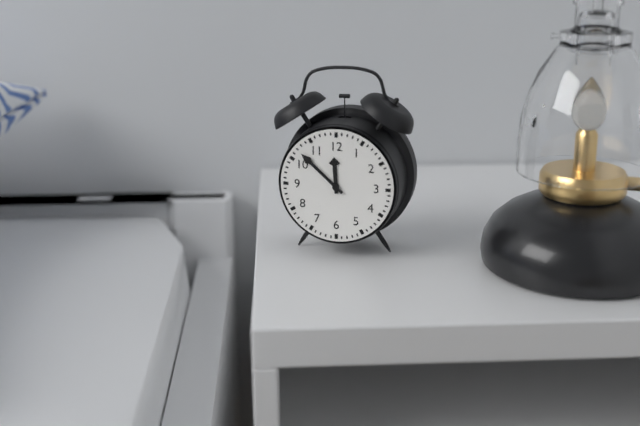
11,52
